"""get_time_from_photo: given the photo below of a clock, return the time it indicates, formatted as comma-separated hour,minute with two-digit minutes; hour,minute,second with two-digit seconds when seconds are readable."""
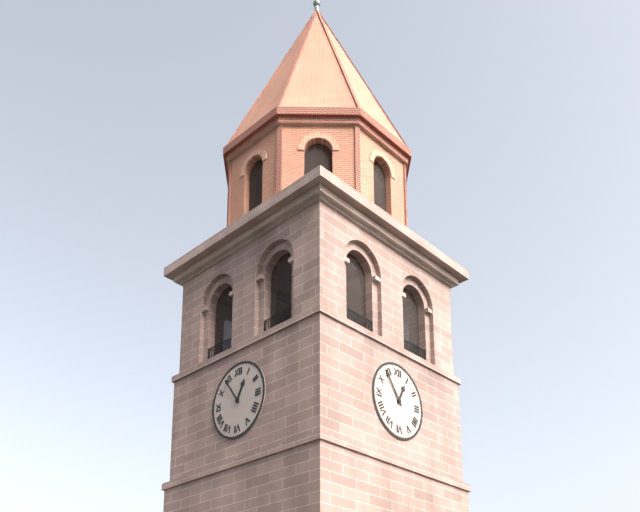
12,54
